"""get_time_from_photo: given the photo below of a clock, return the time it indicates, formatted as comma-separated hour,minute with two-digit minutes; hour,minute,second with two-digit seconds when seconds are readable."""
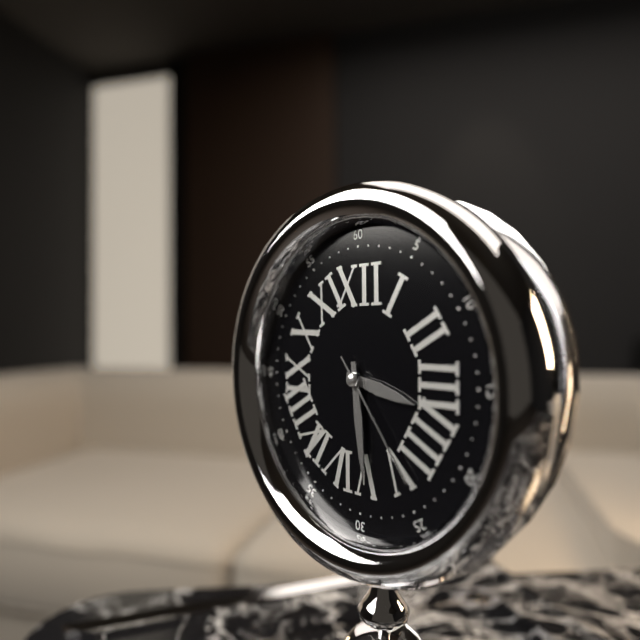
3,29,24
